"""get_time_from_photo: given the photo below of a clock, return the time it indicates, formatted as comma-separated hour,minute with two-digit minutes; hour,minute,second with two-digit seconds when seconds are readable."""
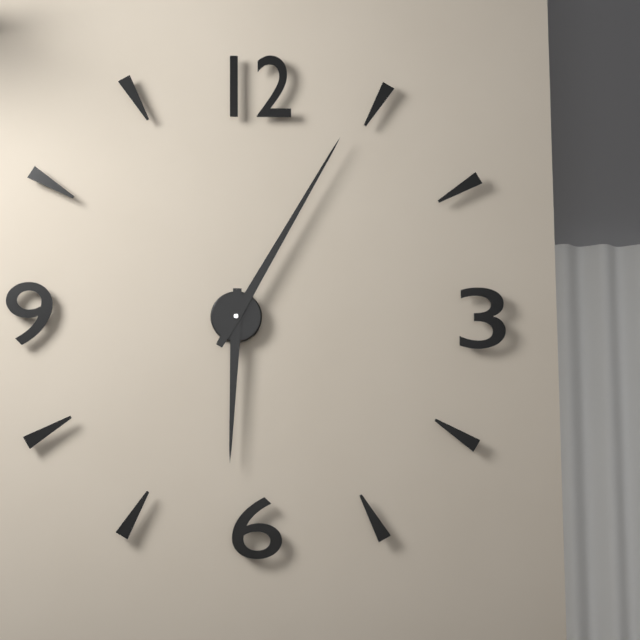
6,05
